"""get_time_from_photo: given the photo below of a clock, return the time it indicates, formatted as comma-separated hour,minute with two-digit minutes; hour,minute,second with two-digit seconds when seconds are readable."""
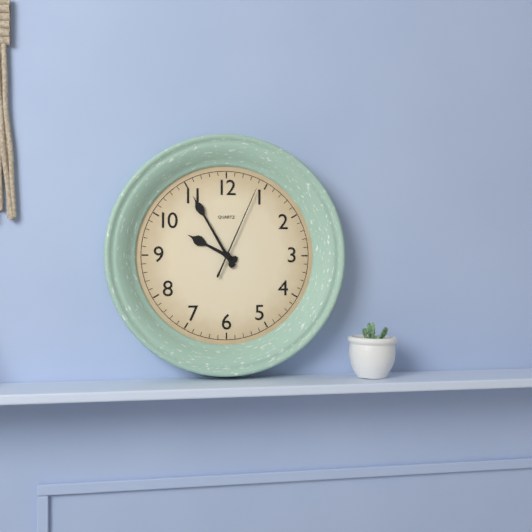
9,55,04
